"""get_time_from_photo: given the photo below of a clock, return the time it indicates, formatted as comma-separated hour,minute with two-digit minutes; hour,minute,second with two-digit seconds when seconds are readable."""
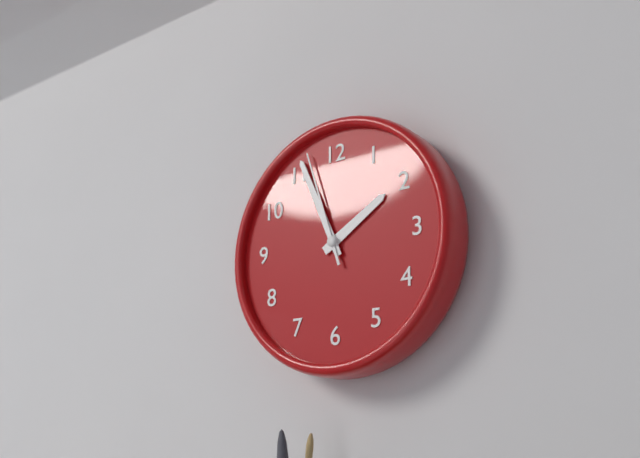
1,56,57
